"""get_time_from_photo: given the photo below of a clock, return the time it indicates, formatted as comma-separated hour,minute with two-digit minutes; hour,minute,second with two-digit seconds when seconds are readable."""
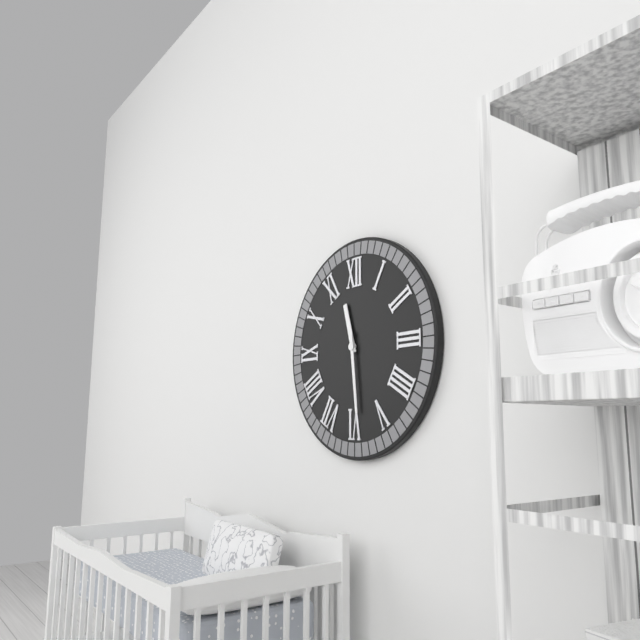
11,29
